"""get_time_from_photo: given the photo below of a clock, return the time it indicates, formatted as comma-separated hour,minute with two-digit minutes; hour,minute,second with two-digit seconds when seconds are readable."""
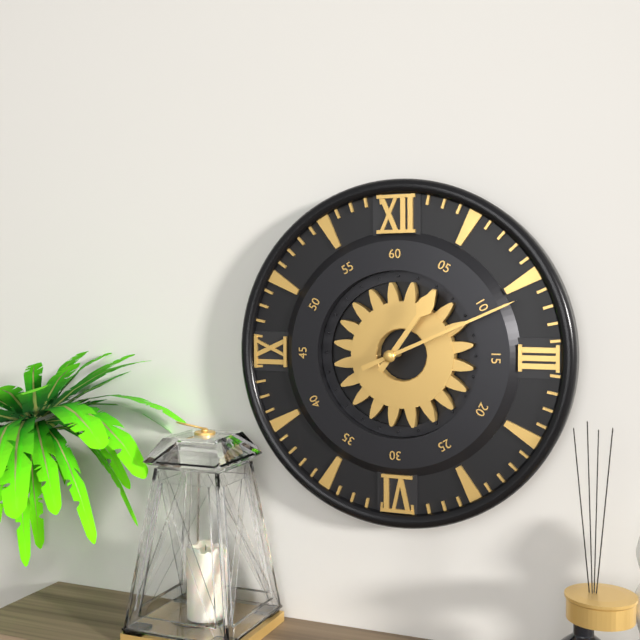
1,11
